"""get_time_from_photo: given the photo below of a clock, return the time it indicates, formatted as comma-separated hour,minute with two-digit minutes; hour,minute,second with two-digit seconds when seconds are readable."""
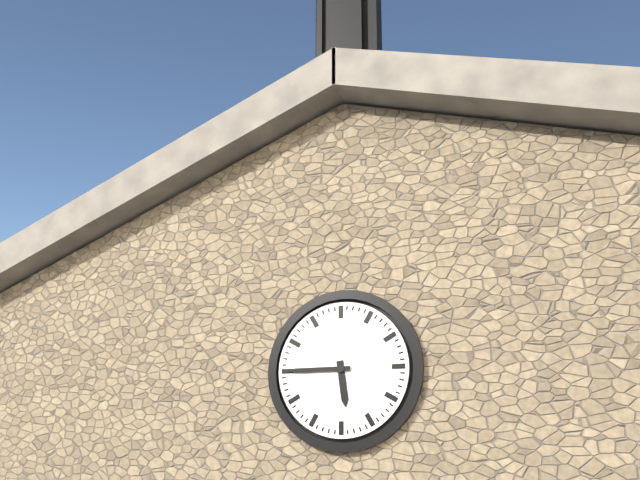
5,45
